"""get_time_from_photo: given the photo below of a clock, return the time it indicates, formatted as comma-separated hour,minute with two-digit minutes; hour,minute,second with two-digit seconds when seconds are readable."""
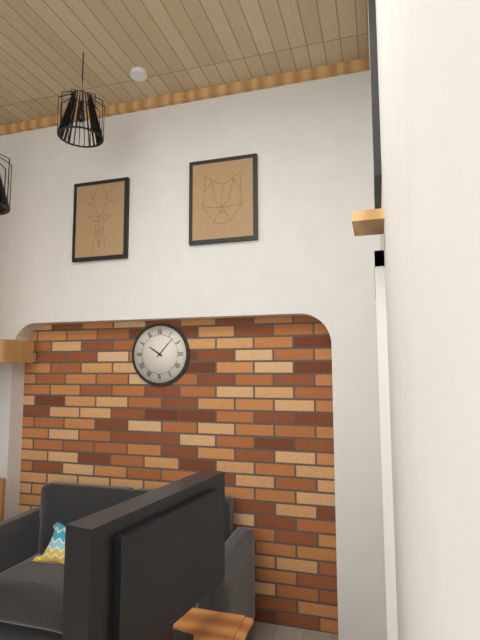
10,07
